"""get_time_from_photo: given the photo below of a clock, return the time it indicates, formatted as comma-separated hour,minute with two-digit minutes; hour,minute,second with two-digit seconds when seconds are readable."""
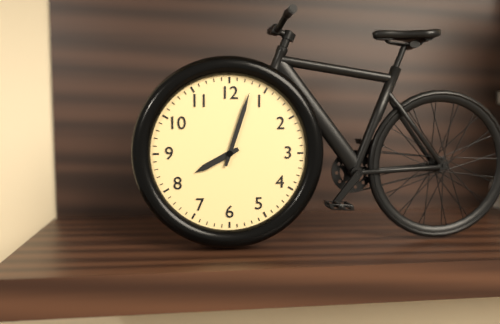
8,03
